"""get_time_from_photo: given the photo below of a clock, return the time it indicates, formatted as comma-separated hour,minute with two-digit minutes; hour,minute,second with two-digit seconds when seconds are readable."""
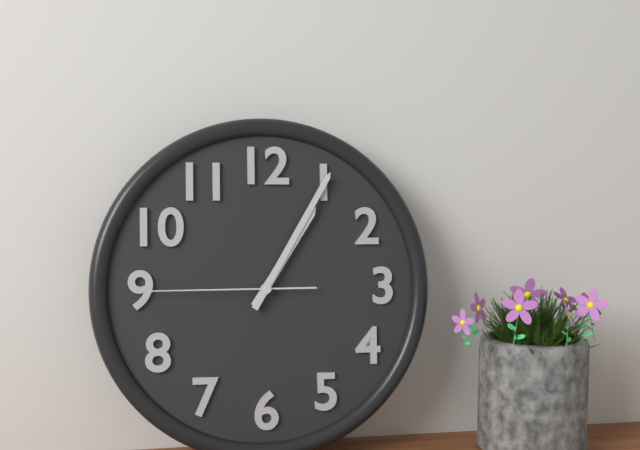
1,05,45
